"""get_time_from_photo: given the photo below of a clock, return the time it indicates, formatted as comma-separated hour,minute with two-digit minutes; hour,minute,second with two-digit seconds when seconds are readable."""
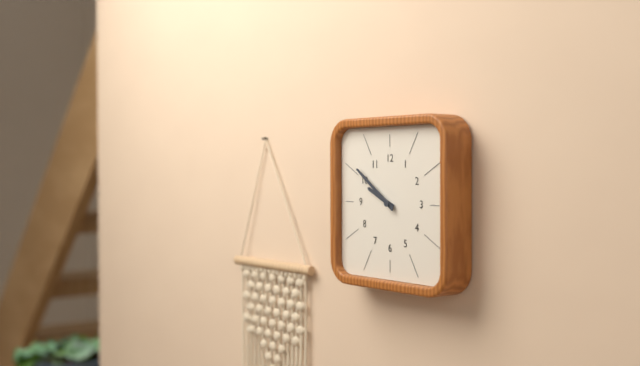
9,51
